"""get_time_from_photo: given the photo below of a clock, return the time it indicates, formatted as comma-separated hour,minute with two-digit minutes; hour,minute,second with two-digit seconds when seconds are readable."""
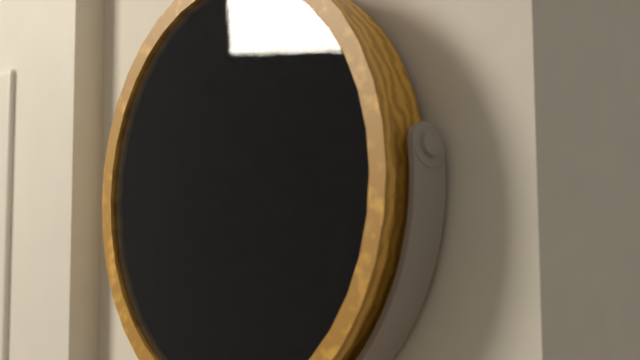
2,34,20
